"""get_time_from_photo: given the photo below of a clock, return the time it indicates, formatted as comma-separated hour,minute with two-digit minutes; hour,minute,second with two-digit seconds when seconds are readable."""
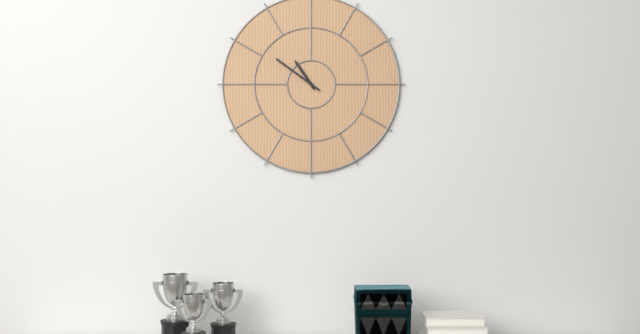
10,51
